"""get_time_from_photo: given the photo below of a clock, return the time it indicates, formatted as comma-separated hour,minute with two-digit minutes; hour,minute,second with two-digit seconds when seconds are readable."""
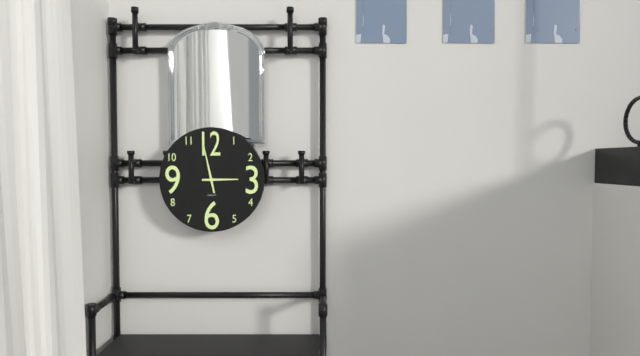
2,58
